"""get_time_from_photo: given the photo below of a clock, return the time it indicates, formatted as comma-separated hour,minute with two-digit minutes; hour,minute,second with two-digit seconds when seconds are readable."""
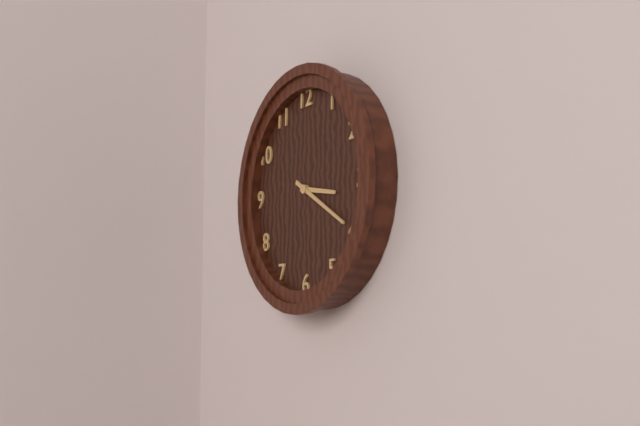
3,20
